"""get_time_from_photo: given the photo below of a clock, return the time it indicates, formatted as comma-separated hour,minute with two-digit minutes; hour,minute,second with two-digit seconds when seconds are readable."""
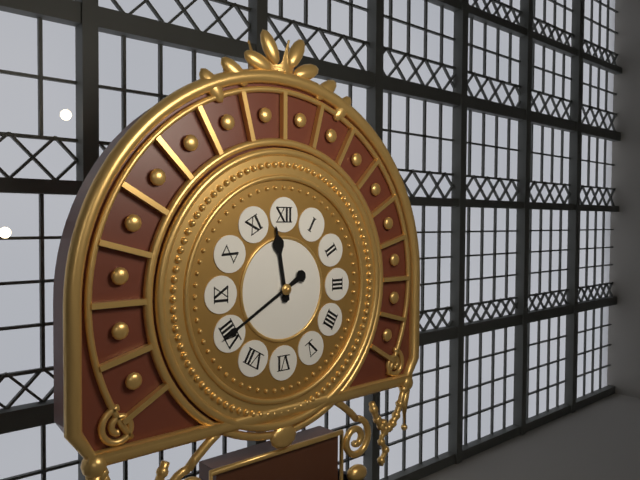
11,40
